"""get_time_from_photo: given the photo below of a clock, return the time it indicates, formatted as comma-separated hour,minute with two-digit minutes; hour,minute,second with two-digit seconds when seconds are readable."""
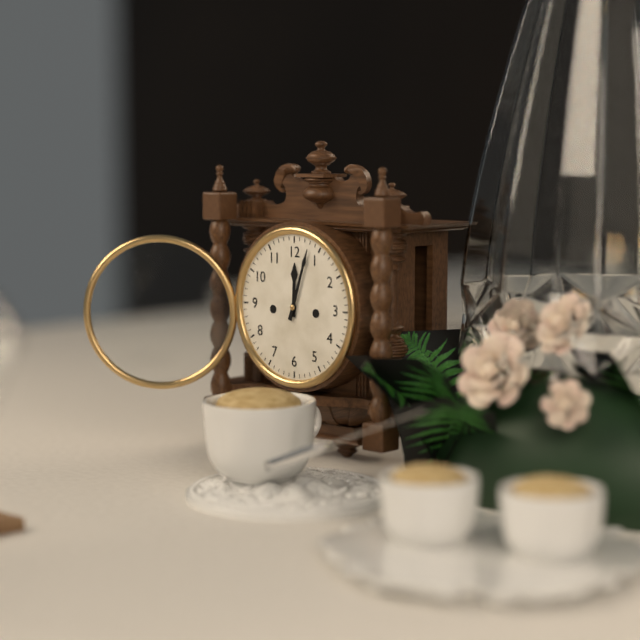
12,03
